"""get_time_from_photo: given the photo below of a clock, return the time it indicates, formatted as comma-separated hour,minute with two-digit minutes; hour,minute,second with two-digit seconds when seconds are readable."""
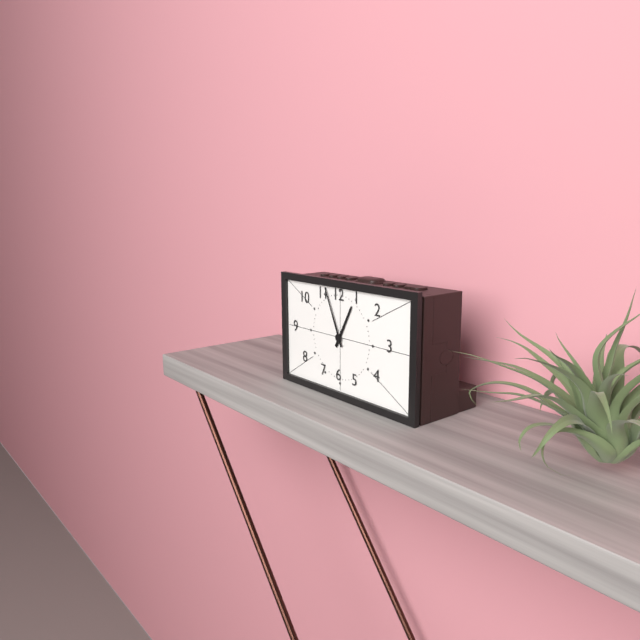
12,56
